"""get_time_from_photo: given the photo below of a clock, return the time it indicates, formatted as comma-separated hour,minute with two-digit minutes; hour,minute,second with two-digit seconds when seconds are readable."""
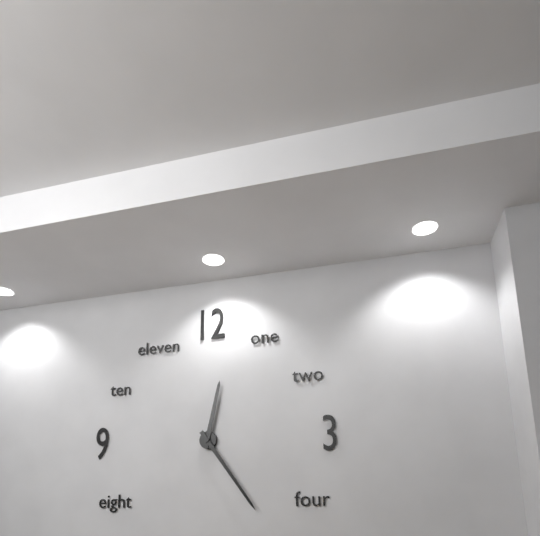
12,24
